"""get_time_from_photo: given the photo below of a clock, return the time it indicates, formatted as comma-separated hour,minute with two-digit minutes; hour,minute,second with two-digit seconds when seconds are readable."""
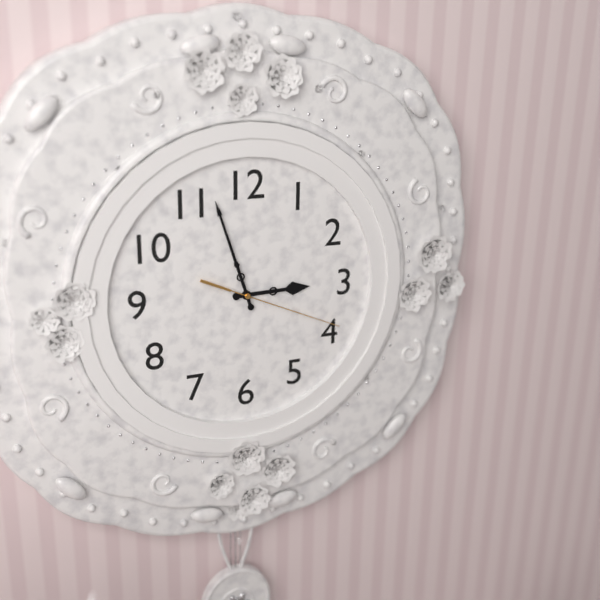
2,57,19
